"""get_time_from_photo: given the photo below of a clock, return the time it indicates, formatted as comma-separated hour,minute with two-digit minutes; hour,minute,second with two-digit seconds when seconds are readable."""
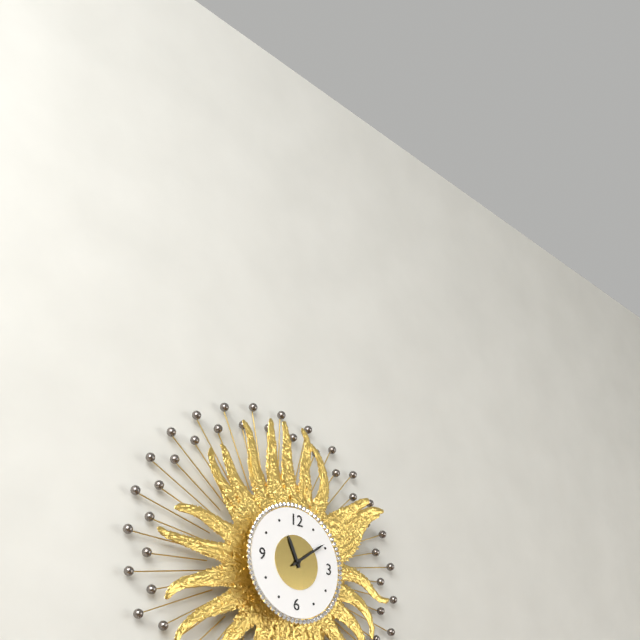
11,09
